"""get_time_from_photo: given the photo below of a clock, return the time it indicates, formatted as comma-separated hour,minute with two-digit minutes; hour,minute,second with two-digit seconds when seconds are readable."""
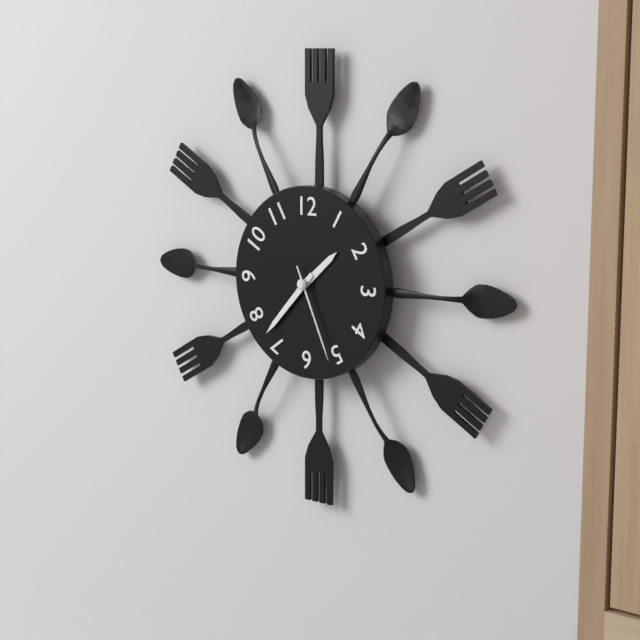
1,37,26
